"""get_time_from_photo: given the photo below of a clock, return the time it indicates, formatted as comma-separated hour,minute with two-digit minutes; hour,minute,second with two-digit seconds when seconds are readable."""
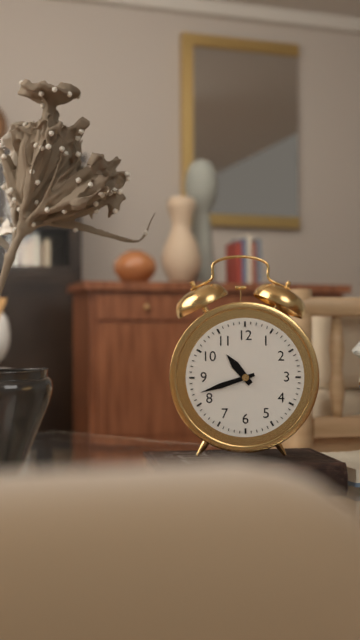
10,42
